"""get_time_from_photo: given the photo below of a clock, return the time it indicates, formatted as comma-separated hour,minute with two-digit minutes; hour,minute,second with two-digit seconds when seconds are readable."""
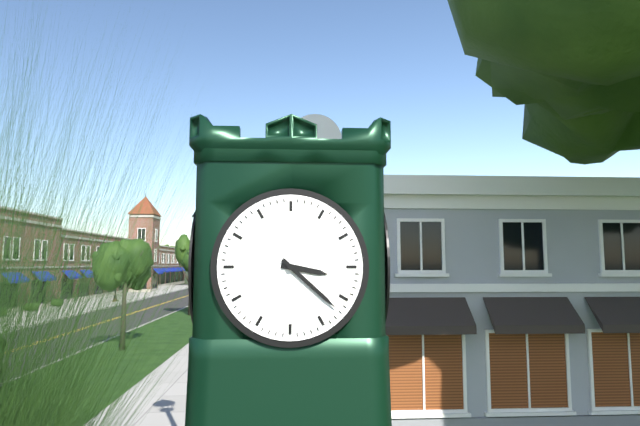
3,22
